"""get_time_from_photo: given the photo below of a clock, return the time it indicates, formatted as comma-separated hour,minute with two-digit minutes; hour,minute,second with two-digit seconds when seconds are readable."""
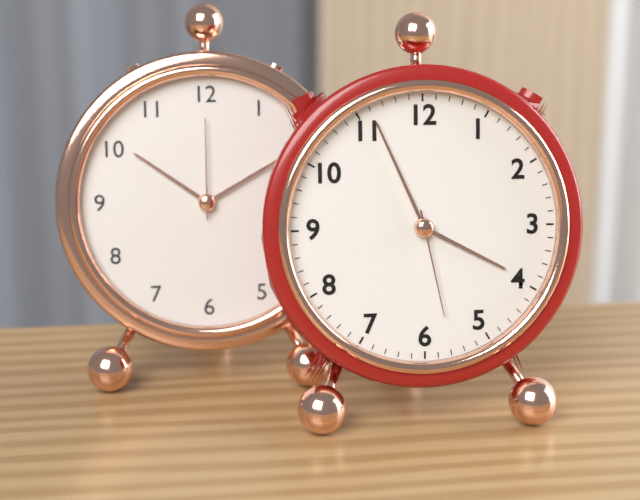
3,56,28
